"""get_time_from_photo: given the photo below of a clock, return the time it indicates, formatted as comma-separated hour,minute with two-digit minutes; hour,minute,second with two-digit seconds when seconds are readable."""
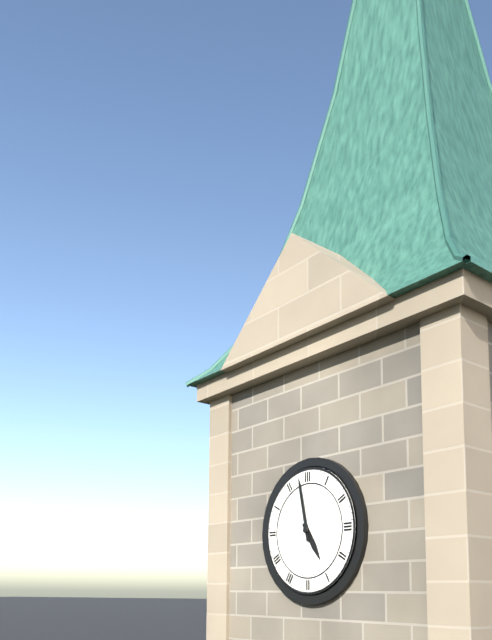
4,58
